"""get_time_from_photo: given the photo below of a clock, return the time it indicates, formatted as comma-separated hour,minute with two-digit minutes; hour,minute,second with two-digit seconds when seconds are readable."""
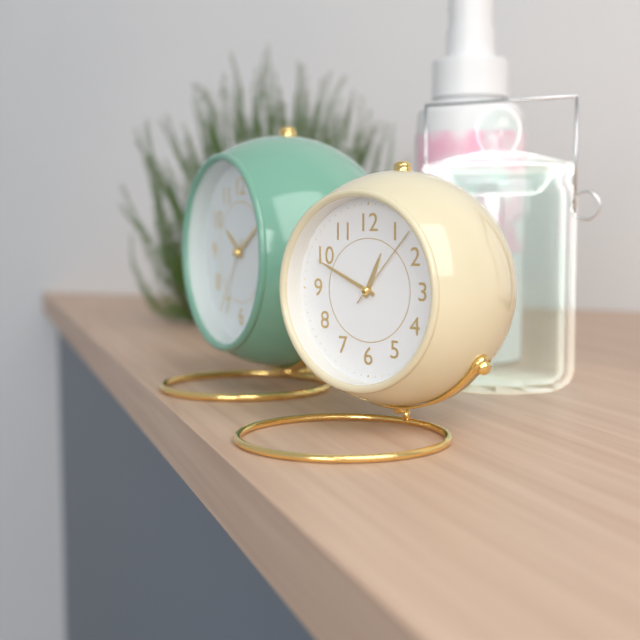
12,49,07
